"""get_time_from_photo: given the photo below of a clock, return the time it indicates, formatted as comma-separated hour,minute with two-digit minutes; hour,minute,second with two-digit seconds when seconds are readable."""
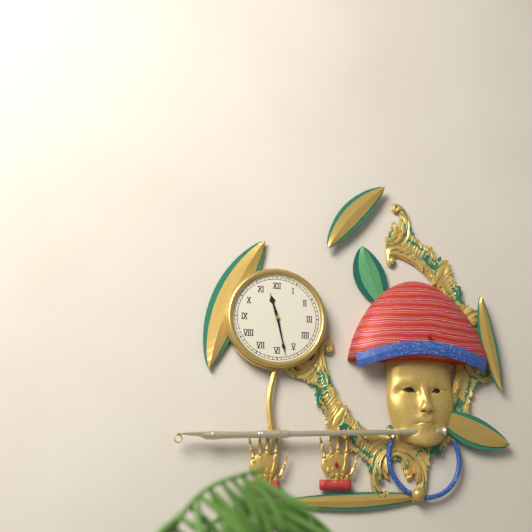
11,28
